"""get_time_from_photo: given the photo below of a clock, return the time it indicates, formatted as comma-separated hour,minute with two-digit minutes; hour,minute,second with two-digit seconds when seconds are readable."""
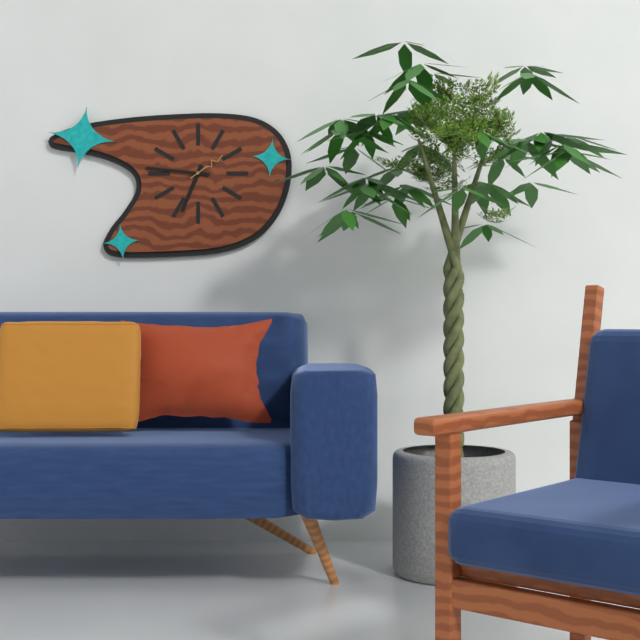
6,46
